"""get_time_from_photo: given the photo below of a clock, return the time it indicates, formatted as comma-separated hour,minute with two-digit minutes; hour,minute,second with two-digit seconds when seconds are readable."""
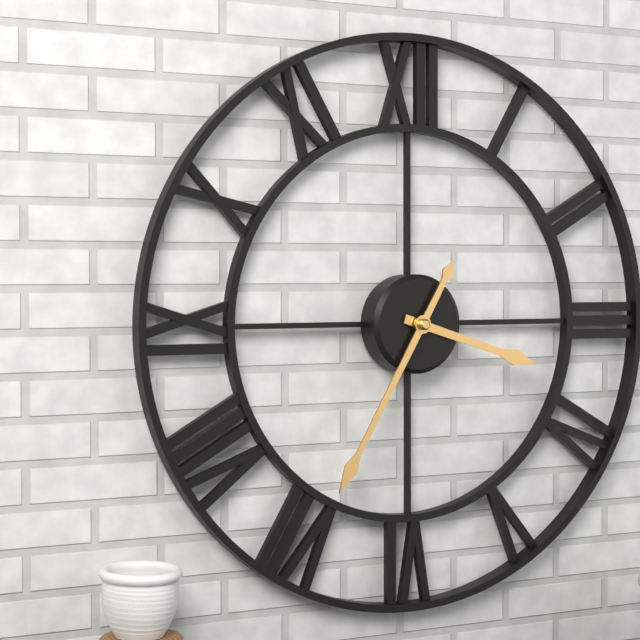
3,35
